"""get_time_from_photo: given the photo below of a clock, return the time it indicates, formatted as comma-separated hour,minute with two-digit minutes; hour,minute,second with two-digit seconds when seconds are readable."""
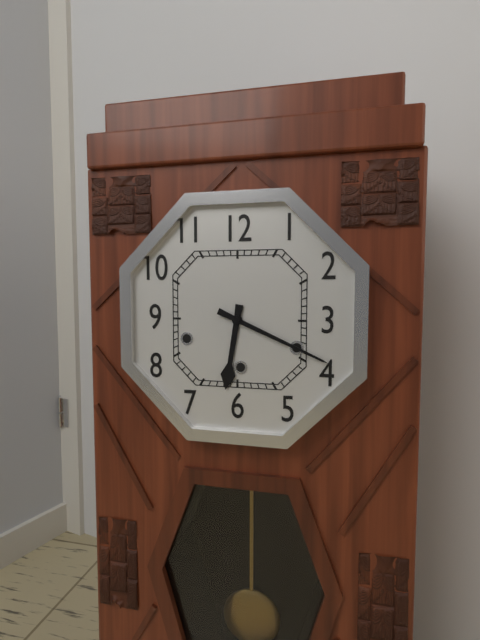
6,19
